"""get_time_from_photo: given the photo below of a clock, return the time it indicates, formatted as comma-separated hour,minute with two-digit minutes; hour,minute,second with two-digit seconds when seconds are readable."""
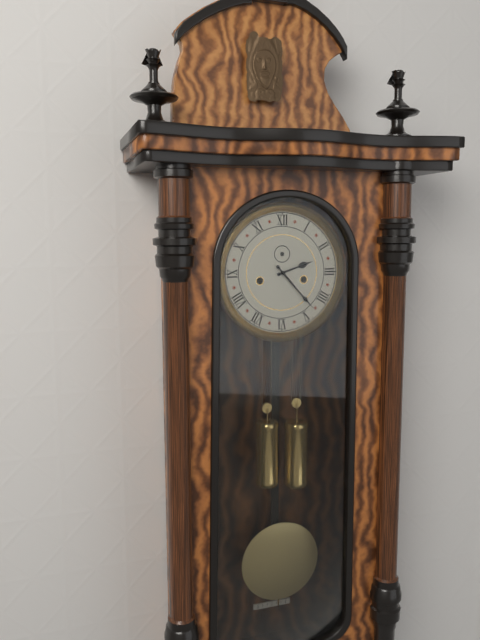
2,23
